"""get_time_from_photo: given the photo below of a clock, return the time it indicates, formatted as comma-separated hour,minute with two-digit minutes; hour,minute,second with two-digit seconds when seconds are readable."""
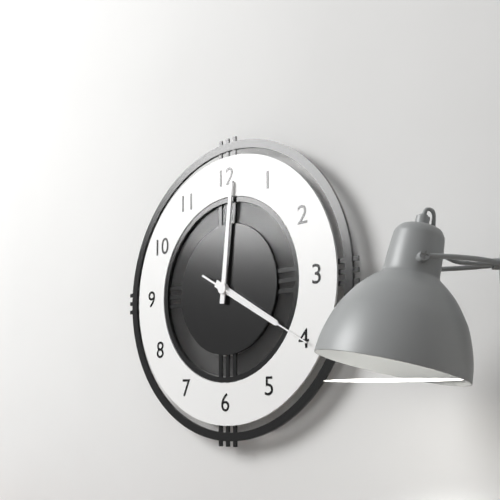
4,01,20
